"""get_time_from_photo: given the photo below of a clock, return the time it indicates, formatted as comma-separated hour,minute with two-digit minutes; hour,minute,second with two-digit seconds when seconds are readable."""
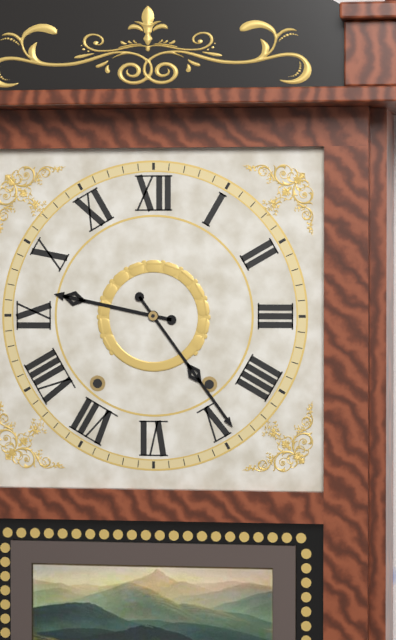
9,24
